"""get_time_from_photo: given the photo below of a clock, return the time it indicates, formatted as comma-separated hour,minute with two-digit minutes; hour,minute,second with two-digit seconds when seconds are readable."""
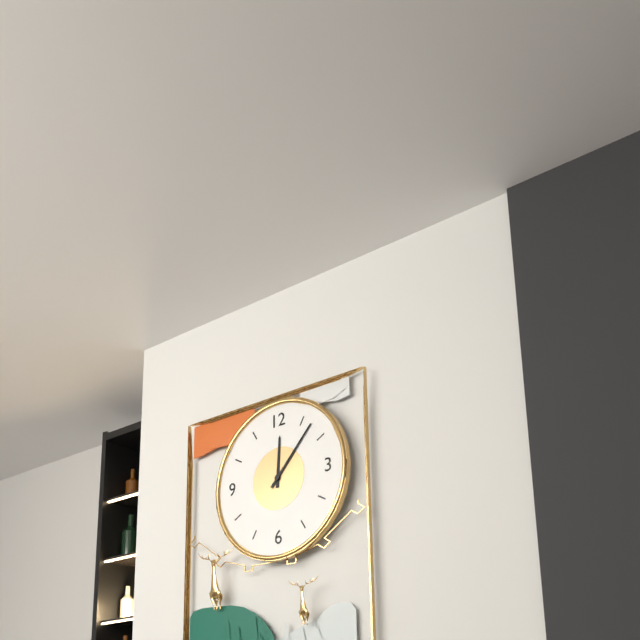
12,07
